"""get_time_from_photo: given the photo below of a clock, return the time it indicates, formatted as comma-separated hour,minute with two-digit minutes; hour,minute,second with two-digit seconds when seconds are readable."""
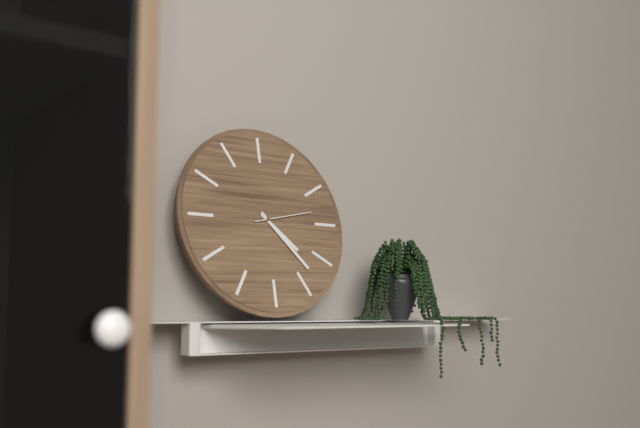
4,23,13
